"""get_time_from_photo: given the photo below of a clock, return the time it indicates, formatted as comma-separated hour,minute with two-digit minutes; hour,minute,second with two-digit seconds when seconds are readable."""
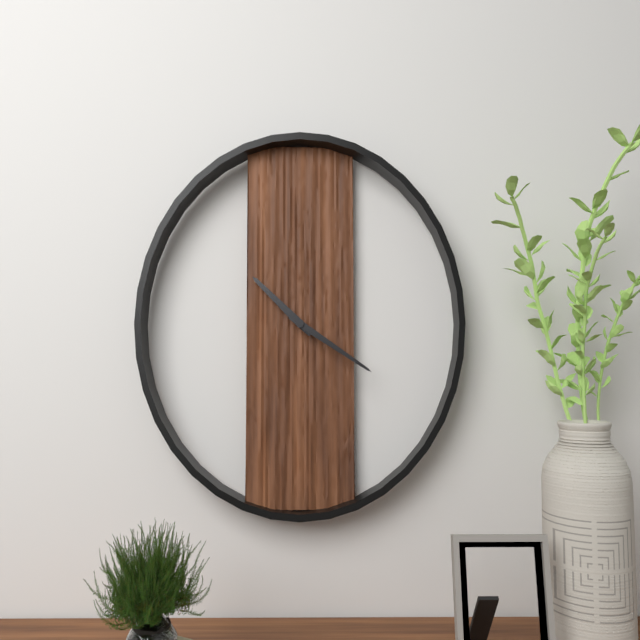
10,20
